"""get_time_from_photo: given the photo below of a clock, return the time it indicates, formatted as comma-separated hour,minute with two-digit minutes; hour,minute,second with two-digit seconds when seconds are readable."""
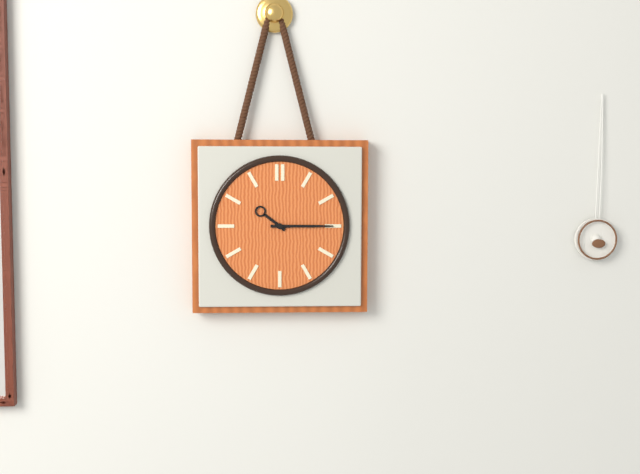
10,15
